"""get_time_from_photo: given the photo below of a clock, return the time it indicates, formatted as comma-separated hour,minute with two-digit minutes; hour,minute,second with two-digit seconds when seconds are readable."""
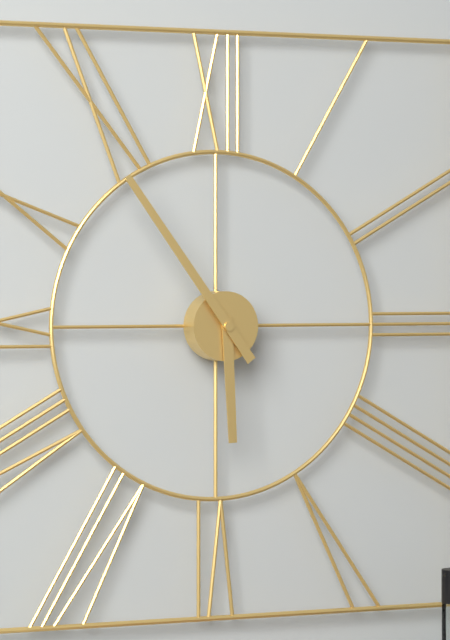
5,54
